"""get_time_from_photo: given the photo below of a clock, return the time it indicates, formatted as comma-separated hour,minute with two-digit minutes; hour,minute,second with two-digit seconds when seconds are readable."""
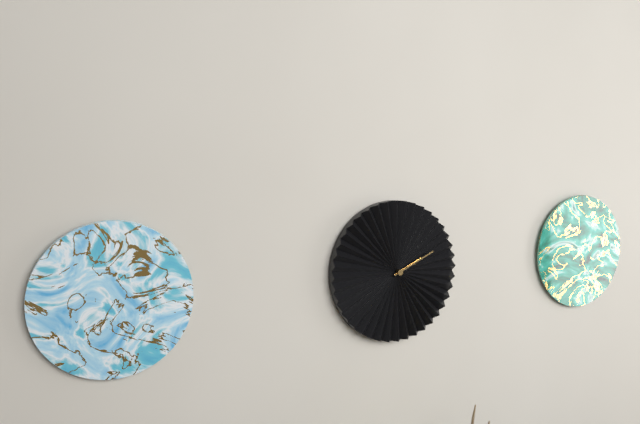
2,11
